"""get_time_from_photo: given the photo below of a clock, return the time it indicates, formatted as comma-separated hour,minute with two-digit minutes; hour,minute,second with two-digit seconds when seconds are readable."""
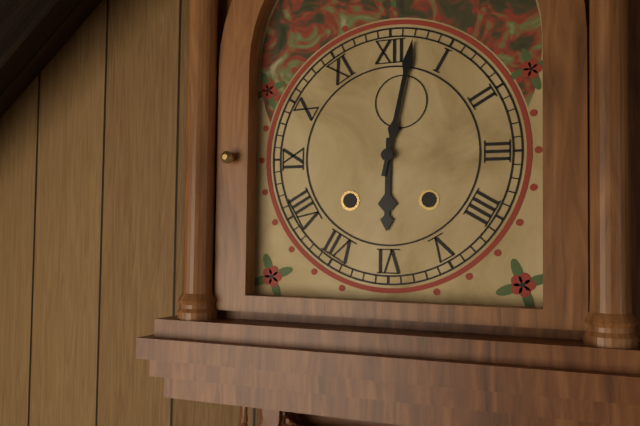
6,02
